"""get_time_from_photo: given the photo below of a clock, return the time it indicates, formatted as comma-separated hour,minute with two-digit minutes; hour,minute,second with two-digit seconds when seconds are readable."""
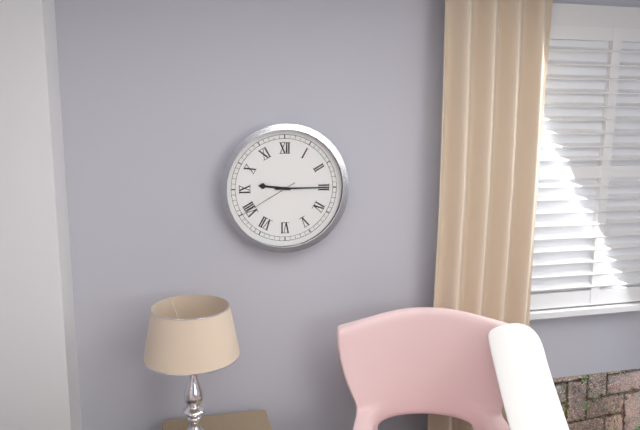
9,15,40
